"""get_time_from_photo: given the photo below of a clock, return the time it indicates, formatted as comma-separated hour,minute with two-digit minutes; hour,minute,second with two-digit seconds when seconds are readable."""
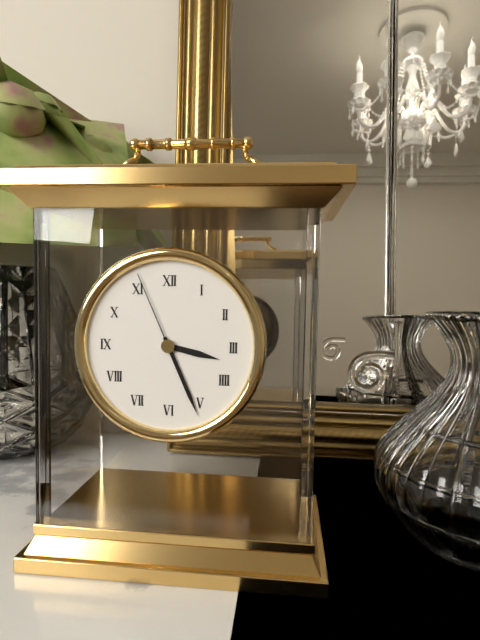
3,26,56
